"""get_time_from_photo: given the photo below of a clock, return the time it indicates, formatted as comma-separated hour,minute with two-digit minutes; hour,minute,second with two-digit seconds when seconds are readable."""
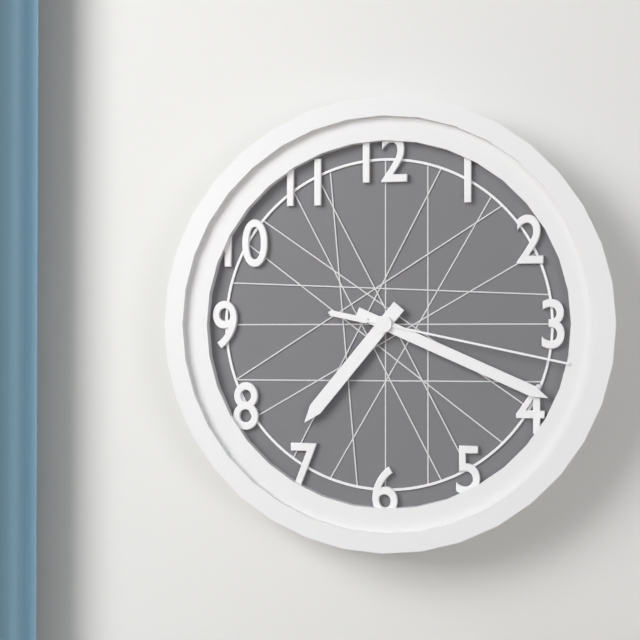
7,19,17
